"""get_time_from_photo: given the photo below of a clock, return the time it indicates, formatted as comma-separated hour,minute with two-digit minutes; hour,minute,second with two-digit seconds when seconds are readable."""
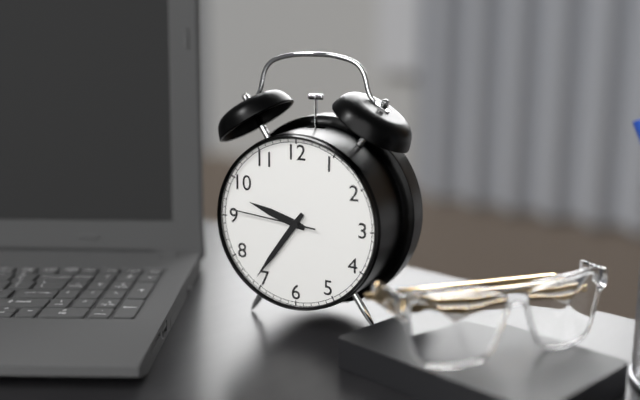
9,36,46
